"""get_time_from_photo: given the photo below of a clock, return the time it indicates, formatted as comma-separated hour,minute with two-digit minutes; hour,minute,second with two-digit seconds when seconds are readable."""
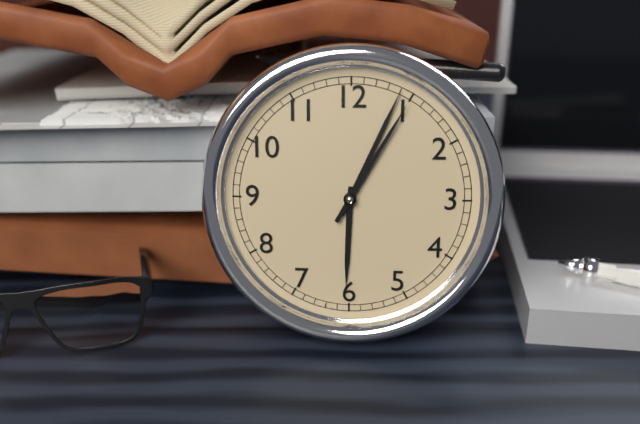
6,04,05
